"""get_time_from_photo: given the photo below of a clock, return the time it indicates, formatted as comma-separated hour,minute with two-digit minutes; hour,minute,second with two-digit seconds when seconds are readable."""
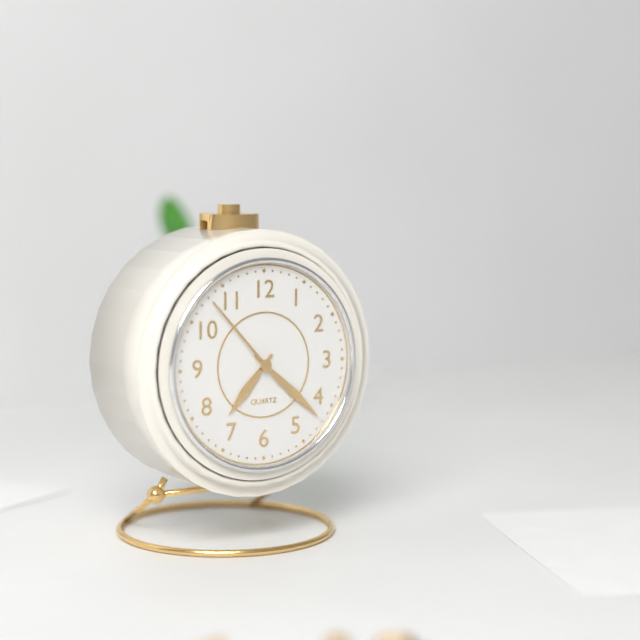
7,22,53
